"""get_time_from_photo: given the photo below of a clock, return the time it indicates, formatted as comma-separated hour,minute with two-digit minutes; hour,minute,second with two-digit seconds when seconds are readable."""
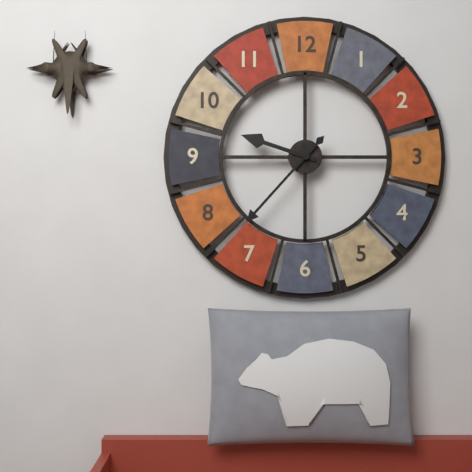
9,37
